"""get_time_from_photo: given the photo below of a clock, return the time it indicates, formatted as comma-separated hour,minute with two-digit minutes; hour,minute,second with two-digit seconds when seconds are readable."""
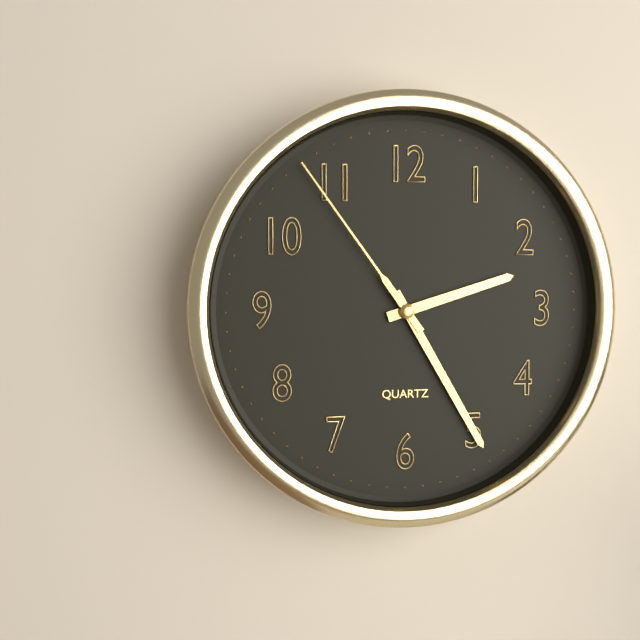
2,25,54
